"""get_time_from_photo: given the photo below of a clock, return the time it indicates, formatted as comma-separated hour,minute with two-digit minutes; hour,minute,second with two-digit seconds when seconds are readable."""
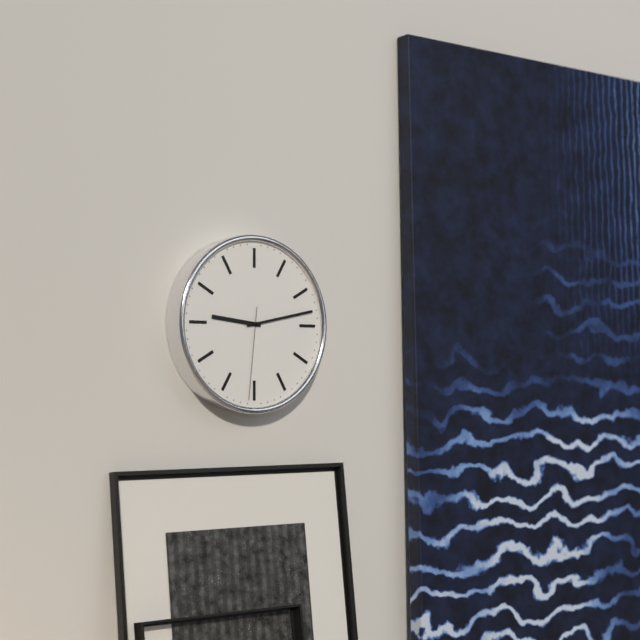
9,13,31
